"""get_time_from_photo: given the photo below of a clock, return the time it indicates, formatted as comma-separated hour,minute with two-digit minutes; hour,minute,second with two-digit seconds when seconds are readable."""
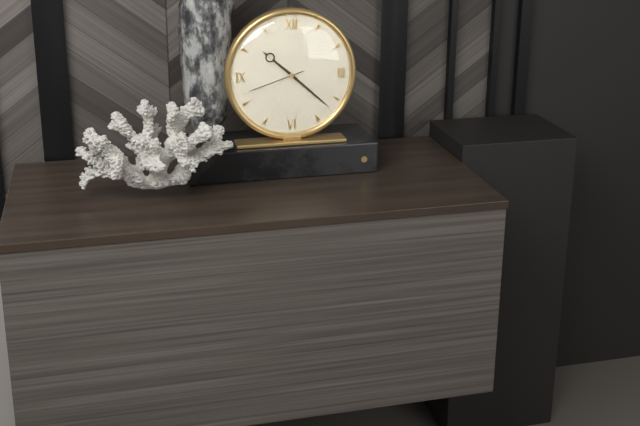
10,22,42
